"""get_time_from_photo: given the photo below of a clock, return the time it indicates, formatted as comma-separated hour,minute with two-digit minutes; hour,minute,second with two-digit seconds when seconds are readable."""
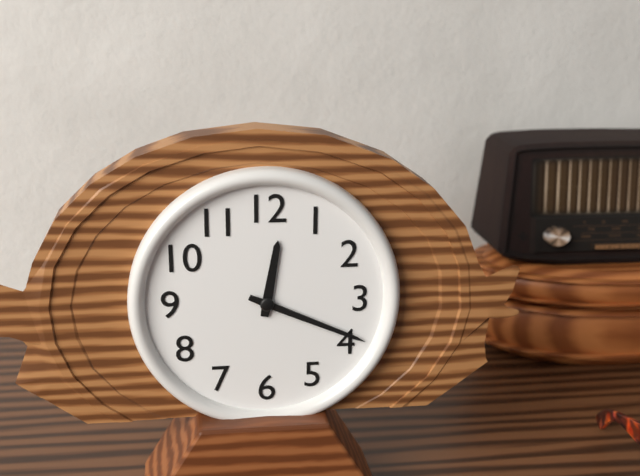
12,19
